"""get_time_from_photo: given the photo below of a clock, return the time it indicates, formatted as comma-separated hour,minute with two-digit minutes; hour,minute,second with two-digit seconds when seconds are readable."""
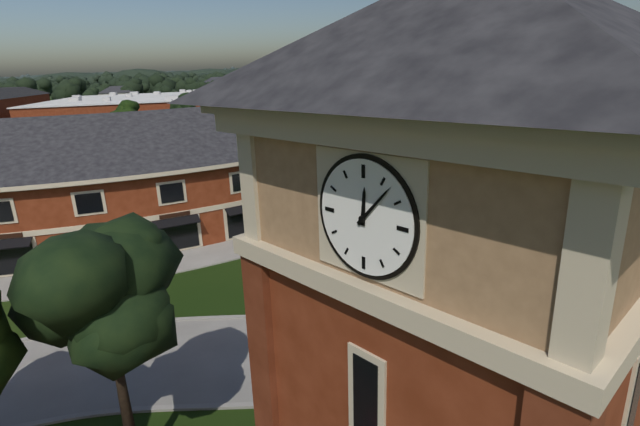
12,07
